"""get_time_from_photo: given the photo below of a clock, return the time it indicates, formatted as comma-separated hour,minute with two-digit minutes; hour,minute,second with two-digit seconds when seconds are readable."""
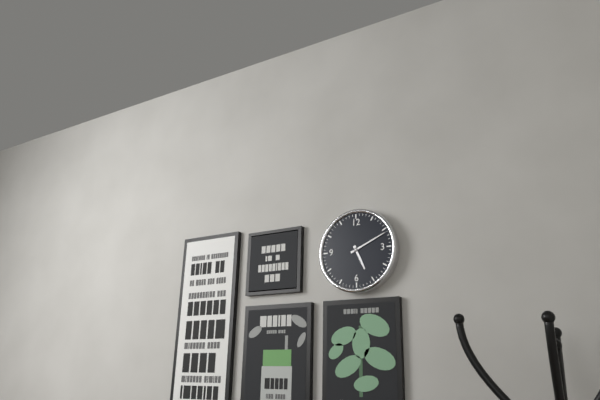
5,11
